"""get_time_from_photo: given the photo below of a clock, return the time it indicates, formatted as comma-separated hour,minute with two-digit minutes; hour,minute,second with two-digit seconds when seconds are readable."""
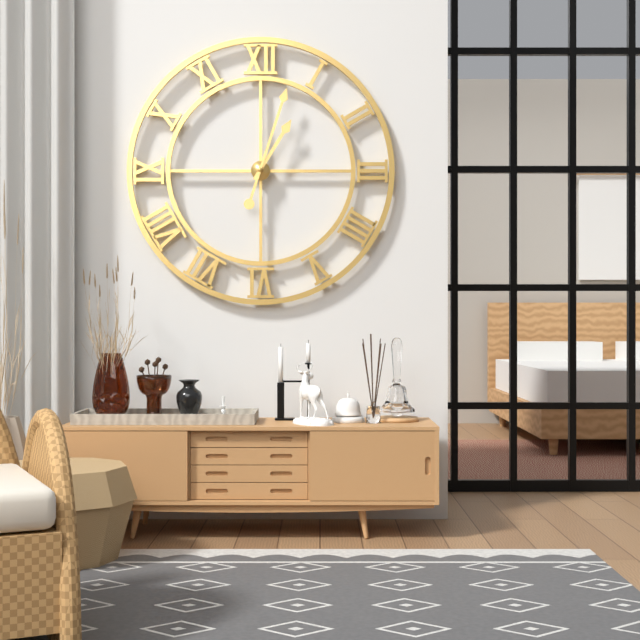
1,03
